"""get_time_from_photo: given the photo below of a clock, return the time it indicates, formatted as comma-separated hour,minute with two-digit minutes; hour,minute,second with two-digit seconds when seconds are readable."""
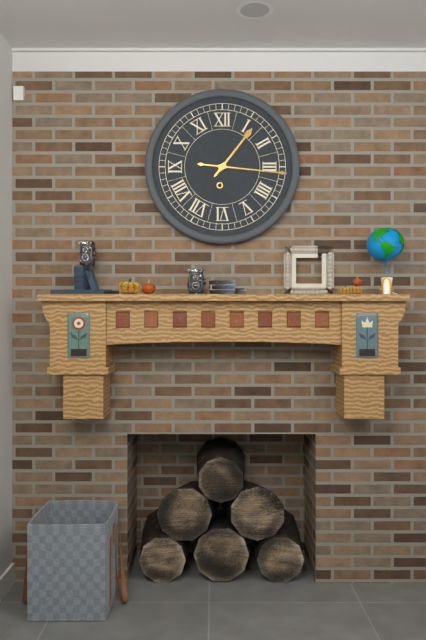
1,16
